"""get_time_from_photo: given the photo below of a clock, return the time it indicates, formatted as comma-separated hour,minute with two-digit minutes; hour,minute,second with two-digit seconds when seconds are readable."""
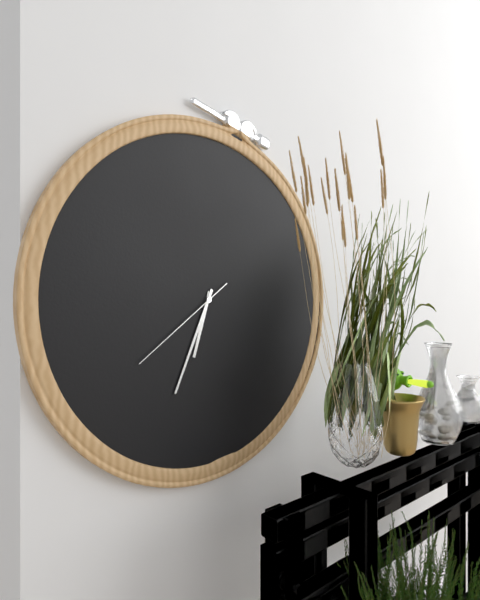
6,34,39
